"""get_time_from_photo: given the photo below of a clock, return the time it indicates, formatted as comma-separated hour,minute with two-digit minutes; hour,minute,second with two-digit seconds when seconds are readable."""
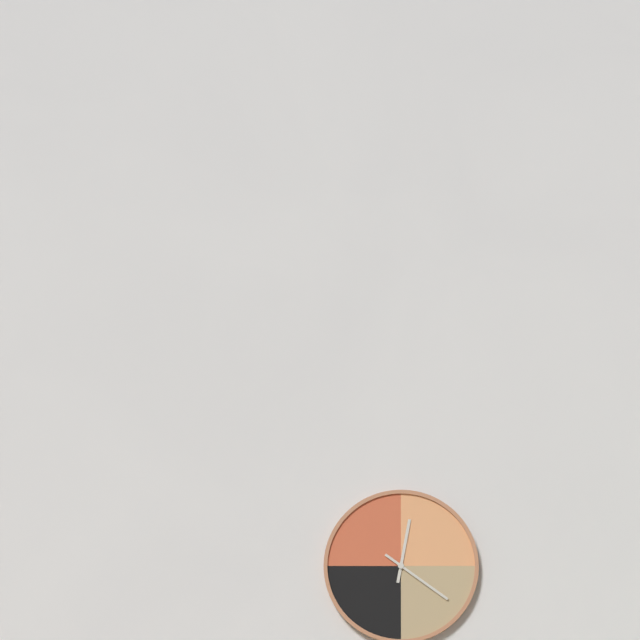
12,21
